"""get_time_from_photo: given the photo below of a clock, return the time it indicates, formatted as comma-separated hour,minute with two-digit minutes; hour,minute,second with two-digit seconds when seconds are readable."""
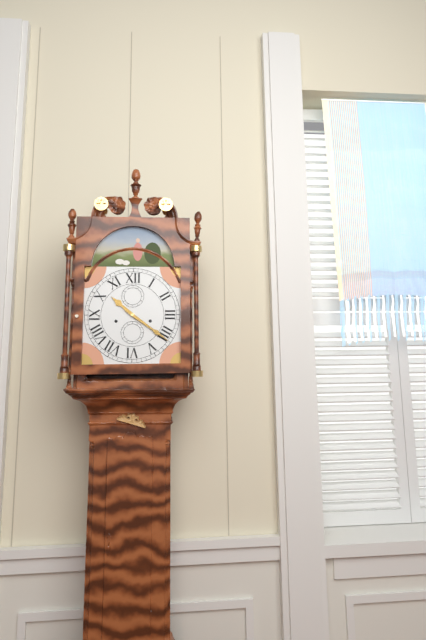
10,21
